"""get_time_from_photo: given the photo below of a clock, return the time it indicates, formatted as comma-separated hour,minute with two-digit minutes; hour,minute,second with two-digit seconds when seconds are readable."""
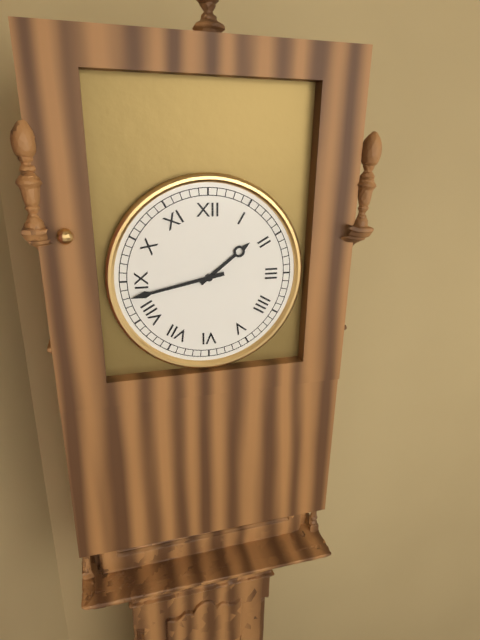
1,43
